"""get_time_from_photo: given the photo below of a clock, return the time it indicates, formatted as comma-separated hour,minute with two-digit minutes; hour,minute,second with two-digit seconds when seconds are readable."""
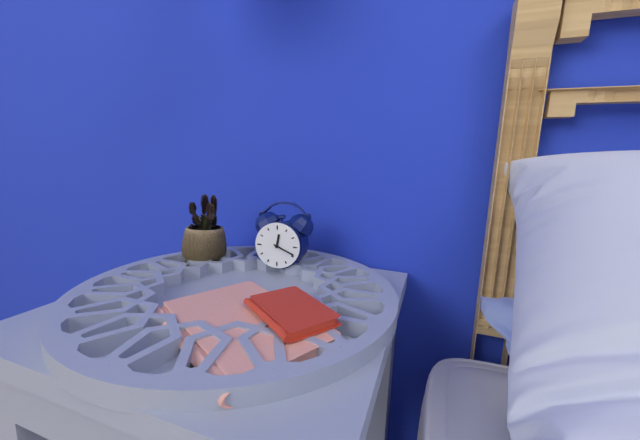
12,19
